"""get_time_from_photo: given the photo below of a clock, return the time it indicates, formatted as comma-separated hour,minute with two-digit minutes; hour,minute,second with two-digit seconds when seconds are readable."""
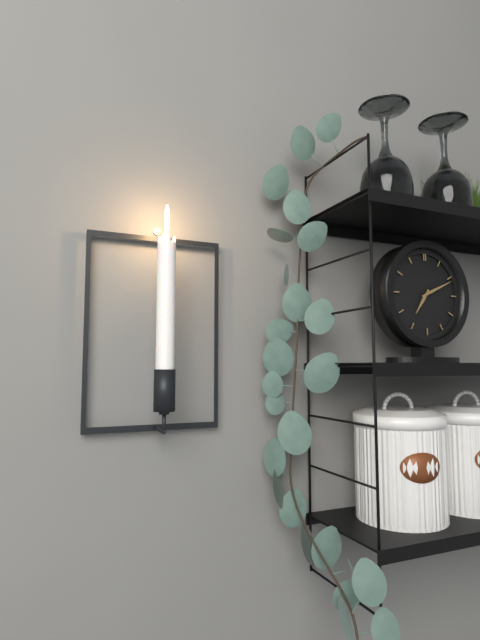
7,11
